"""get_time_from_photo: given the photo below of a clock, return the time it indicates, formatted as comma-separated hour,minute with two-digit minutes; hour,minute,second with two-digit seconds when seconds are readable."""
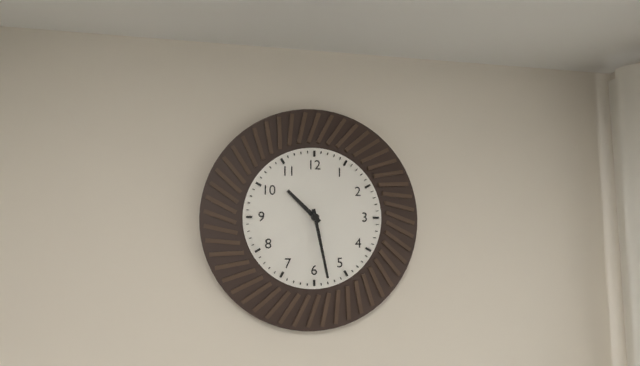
10,28
